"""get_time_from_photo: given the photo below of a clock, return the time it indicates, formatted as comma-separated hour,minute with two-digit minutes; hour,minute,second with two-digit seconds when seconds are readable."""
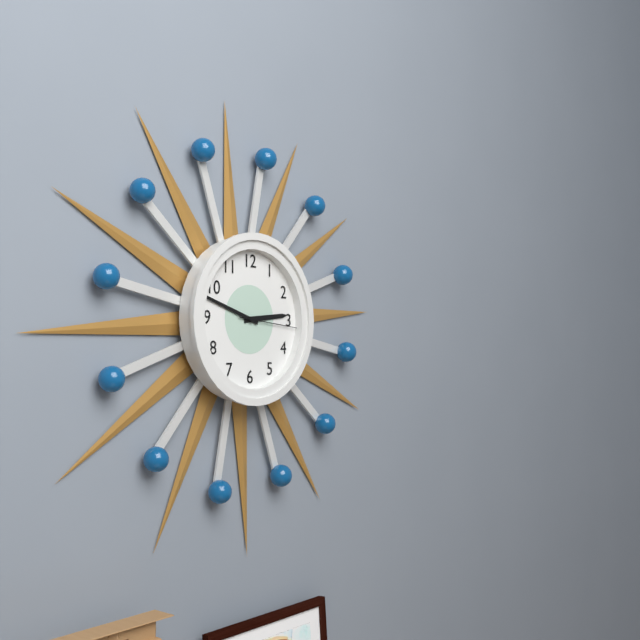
2,48,16
